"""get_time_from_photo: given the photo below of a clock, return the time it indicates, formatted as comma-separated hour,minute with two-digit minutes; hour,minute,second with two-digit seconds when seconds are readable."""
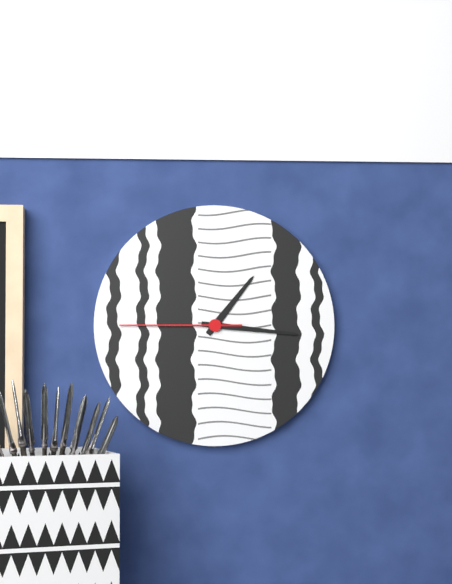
1,16,45
